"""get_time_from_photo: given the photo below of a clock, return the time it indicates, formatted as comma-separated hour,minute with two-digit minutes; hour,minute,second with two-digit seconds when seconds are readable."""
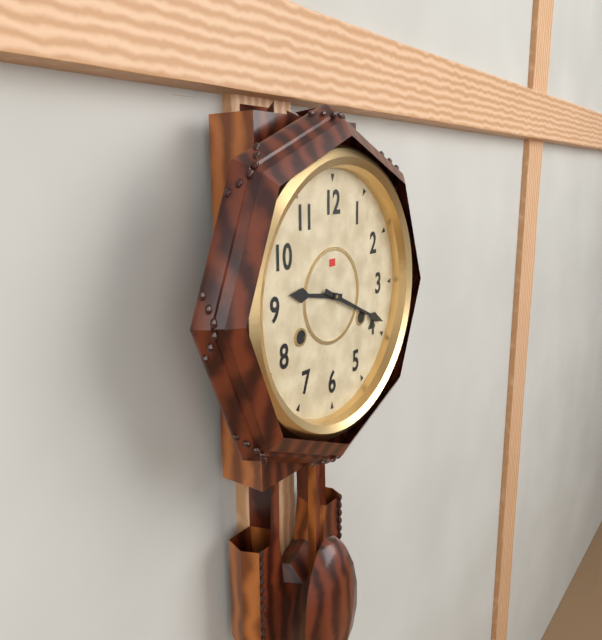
9,19
